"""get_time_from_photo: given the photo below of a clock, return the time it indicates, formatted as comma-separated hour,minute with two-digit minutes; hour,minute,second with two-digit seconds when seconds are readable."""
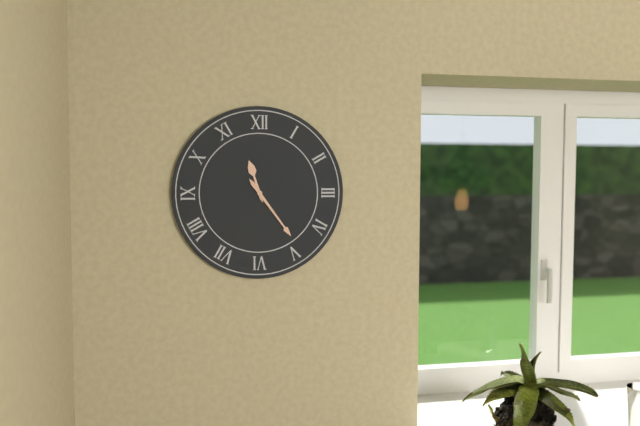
11,24
